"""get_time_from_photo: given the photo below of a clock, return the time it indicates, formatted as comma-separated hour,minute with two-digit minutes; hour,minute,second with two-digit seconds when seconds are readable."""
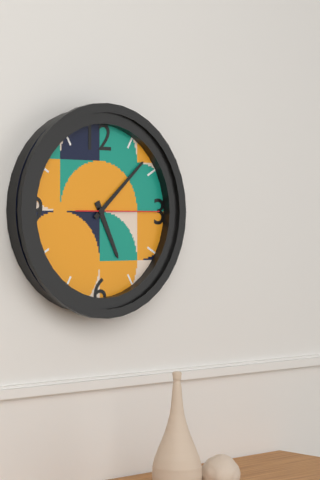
5,08,15
